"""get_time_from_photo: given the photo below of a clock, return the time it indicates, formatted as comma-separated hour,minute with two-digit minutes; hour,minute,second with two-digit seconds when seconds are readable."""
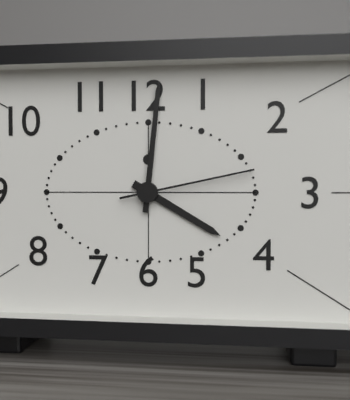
4,01,13
